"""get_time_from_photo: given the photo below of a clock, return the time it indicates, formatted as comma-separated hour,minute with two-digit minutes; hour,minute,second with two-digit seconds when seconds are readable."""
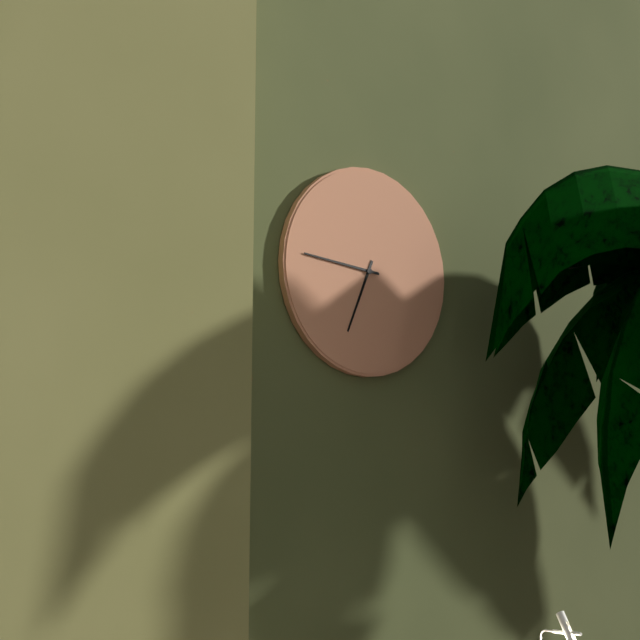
6,46
